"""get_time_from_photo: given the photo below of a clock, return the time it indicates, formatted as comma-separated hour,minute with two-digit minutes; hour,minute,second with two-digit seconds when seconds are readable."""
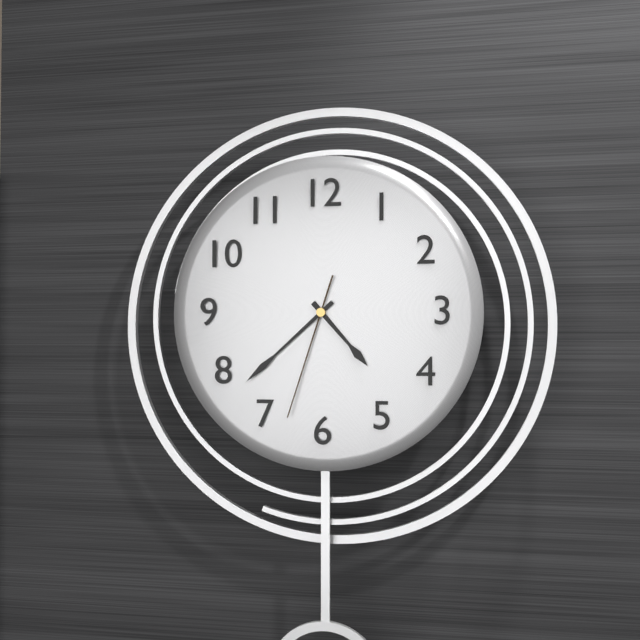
4,38,33
